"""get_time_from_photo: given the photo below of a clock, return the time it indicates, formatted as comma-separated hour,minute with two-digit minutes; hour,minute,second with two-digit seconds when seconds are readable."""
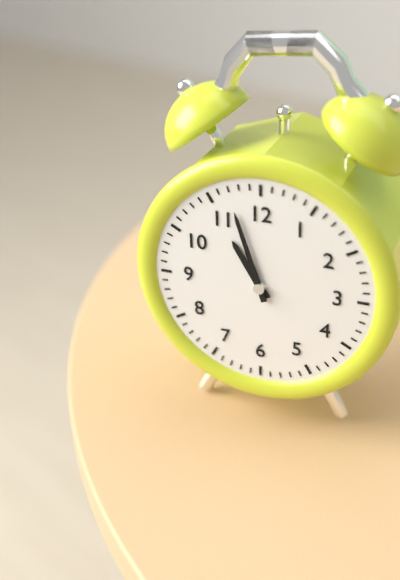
10,57
